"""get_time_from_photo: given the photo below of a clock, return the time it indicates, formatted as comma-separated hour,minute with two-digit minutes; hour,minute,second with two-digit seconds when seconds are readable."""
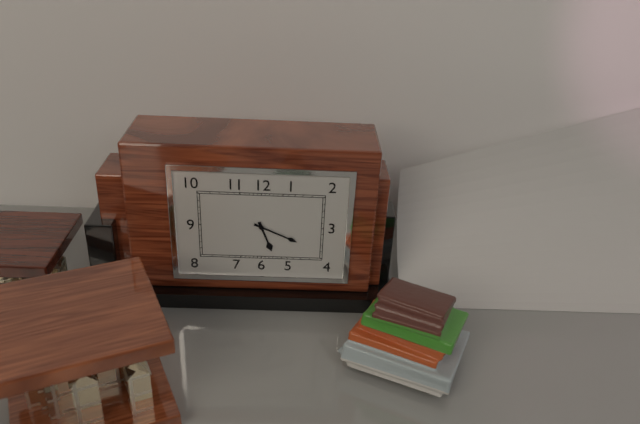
5,19
